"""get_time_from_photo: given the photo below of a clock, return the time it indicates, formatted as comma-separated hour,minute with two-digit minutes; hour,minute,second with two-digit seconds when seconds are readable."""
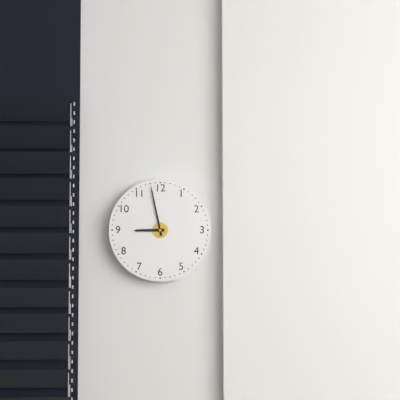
8,58
